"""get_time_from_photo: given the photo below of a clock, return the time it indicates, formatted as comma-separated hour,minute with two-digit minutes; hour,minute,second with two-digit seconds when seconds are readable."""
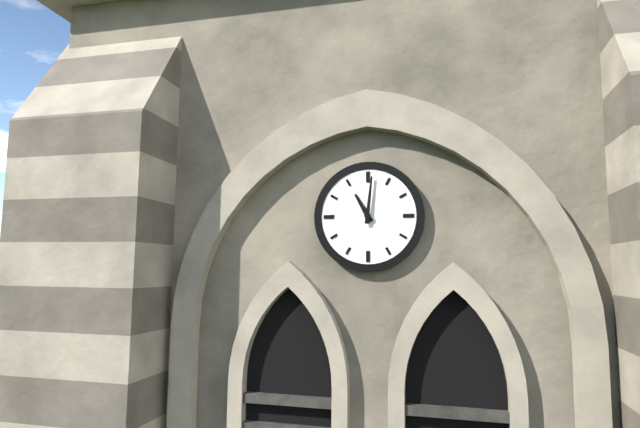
11,01
